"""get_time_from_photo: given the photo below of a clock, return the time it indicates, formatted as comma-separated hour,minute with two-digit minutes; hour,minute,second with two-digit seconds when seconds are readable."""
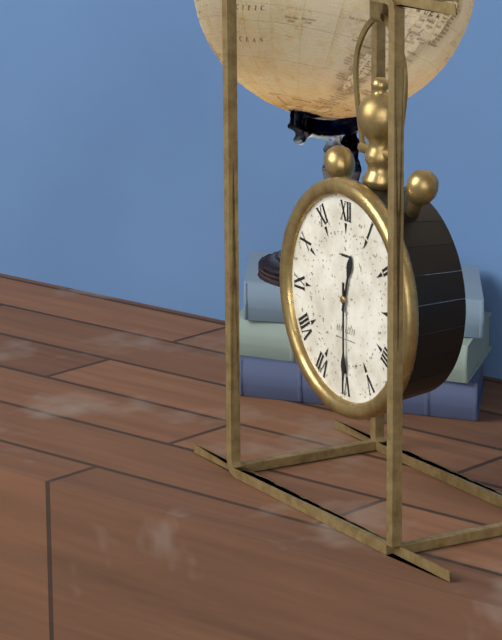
12,30
